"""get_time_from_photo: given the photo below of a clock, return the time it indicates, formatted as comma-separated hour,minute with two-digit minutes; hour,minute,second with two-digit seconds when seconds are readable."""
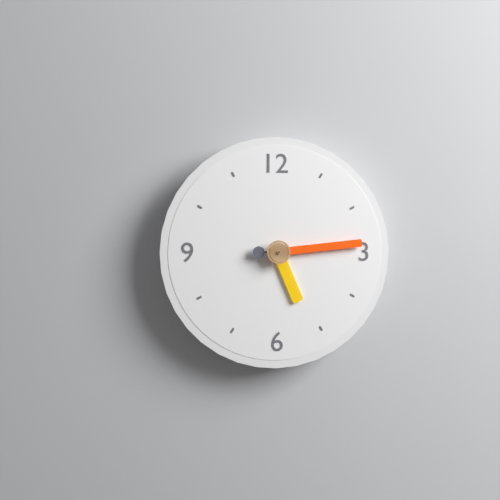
5,14
